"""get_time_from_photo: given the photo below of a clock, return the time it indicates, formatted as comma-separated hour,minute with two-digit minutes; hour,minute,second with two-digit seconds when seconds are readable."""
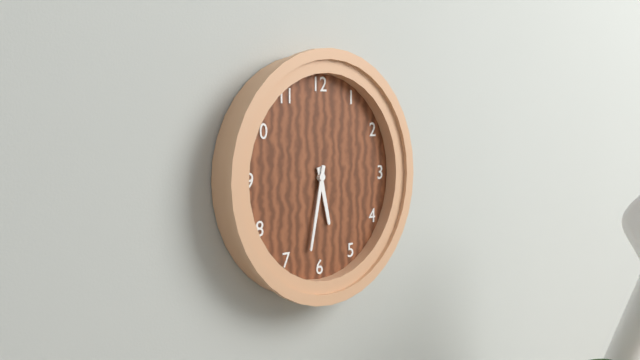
5,32
